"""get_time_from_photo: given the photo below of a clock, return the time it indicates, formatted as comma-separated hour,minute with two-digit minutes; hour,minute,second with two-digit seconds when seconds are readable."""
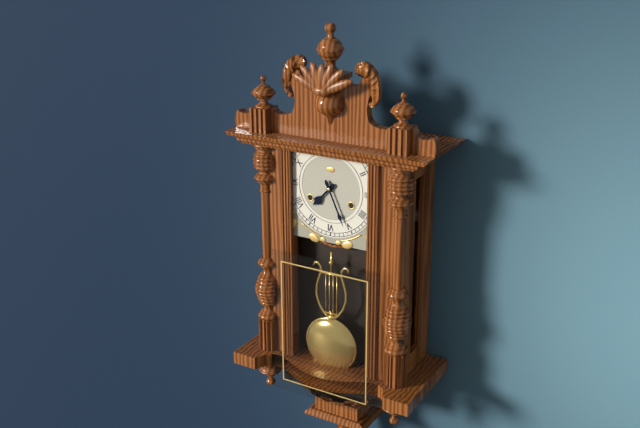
7,26
